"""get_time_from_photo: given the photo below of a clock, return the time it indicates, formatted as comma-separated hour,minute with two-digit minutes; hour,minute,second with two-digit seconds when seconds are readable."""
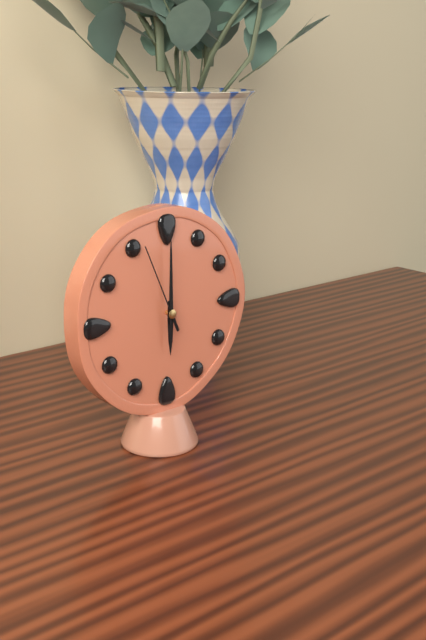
6,00,56
